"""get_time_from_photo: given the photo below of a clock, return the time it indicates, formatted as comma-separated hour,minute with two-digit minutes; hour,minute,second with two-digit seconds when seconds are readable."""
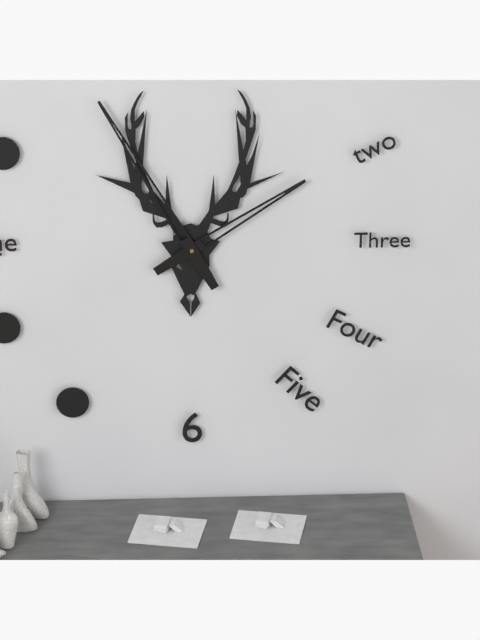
1,55
